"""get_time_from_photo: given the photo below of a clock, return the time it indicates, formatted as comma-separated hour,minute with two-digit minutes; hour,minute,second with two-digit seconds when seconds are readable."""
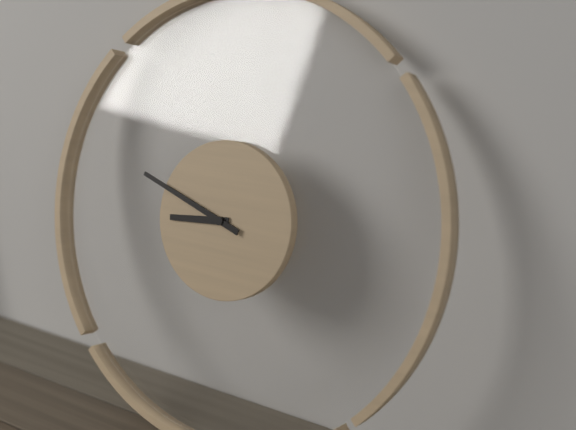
8,48
